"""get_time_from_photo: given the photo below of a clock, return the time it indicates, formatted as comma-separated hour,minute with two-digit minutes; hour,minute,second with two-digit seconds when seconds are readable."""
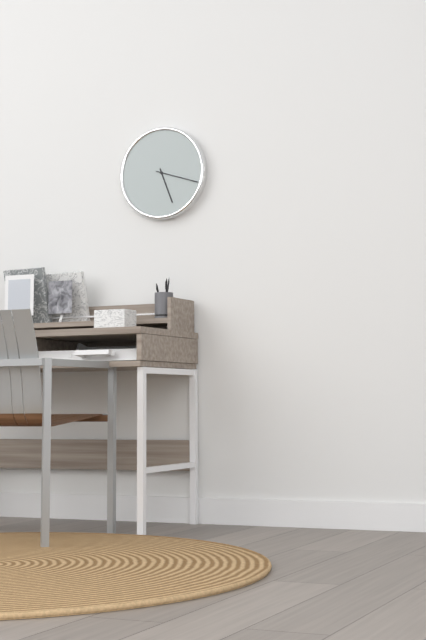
5,18
